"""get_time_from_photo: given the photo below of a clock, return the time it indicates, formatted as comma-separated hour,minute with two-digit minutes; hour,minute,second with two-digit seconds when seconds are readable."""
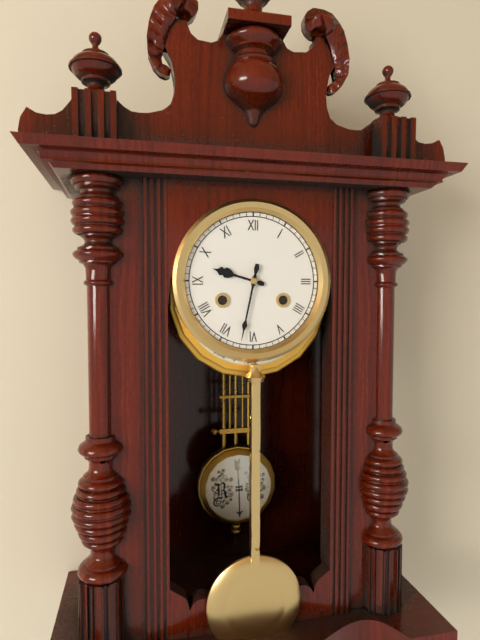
9,32
